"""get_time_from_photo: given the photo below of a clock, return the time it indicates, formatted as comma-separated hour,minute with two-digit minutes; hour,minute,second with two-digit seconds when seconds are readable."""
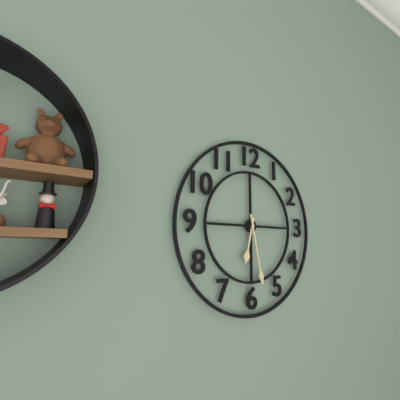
6,28
